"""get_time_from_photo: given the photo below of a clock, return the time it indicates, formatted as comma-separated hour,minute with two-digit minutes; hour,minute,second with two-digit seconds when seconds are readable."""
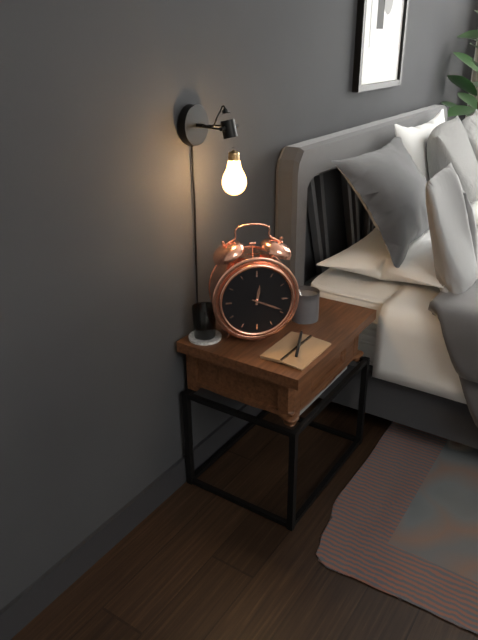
12,19
